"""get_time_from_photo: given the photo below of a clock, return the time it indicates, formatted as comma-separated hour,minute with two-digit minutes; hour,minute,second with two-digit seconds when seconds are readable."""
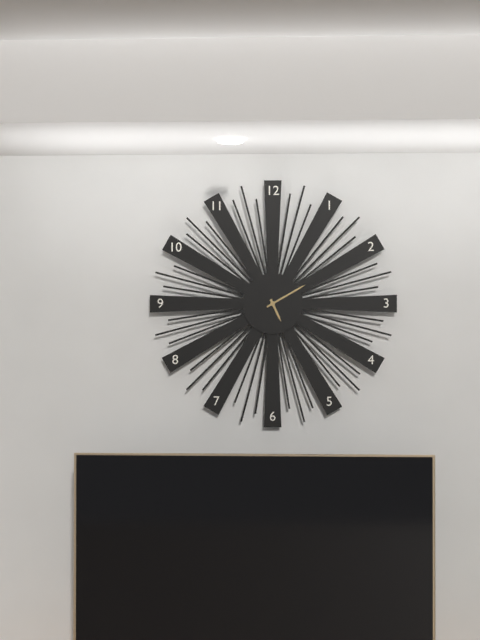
5,10
